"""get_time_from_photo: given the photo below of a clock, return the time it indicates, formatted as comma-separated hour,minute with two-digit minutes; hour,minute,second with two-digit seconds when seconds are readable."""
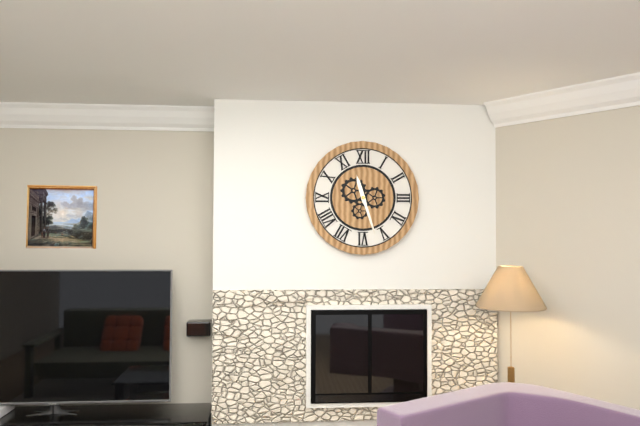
11,27
